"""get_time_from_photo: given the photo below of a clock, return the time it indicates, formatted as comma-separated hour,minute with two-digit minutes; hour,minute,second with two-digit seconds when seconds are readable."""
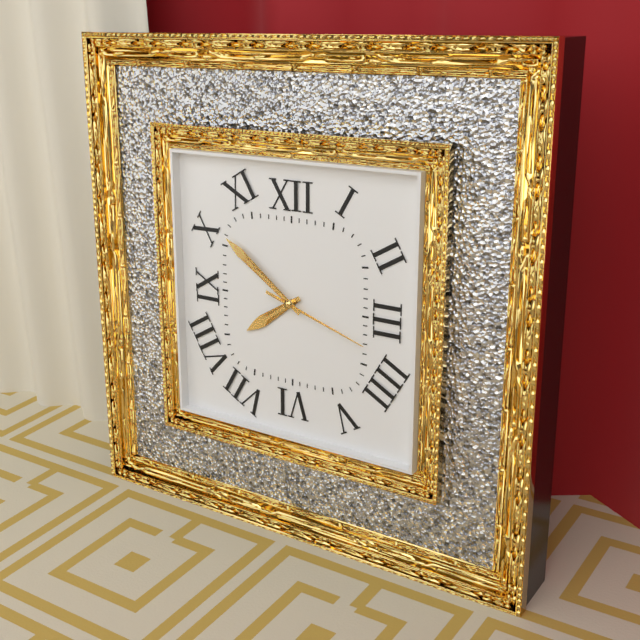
7,51,18
